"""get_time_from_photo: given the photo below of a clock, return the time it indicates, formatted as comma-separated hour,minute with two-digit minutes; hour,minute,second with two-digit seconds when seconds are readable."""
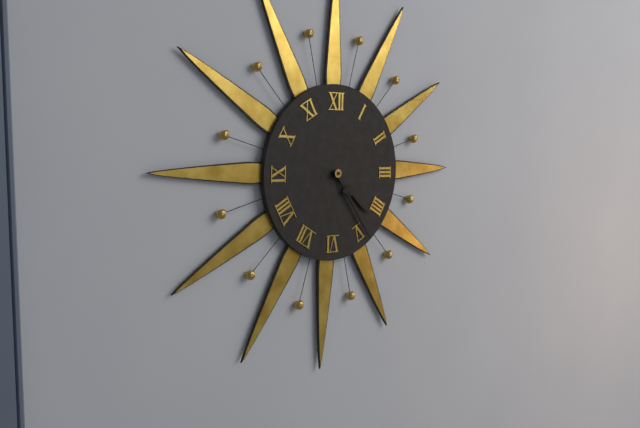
4,24
